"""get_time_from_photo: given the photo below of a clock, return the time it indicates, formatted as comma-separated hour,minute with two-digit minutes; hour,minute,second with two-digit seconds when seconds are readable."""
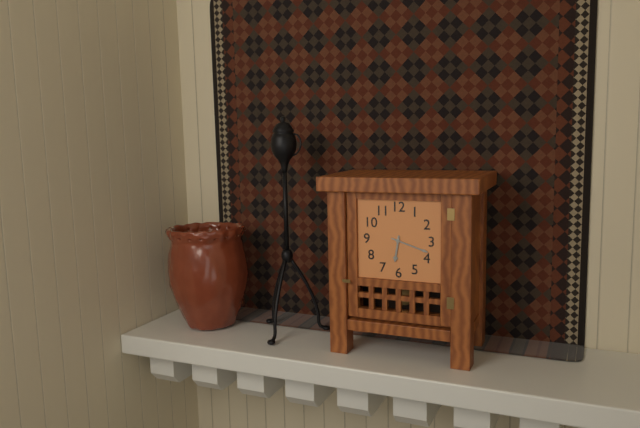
6,18
